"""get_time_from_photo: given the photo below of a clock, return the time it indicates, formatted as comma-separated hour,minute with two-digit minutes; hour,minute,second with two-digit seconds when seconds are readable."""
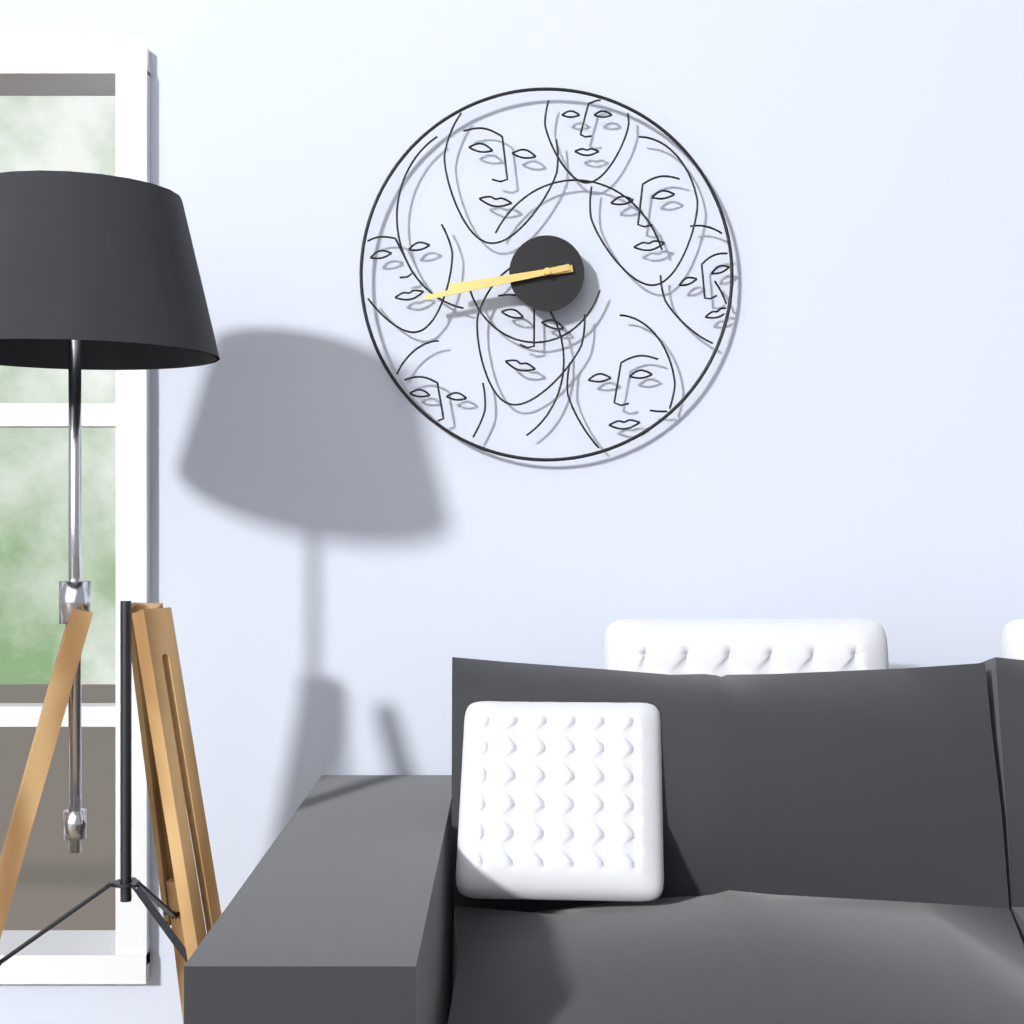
8,43
